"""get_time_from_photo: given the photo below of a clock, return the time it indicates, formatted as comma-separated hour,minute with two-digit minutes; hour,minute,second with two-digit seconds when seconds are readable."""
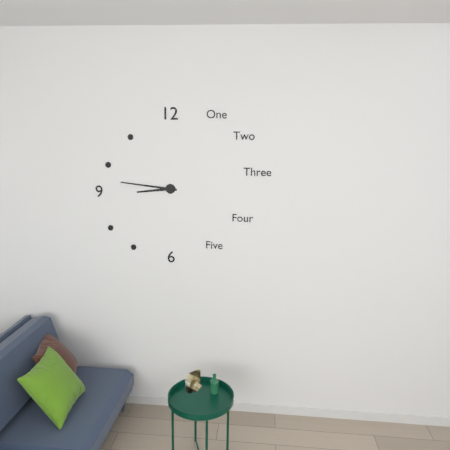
8,46
